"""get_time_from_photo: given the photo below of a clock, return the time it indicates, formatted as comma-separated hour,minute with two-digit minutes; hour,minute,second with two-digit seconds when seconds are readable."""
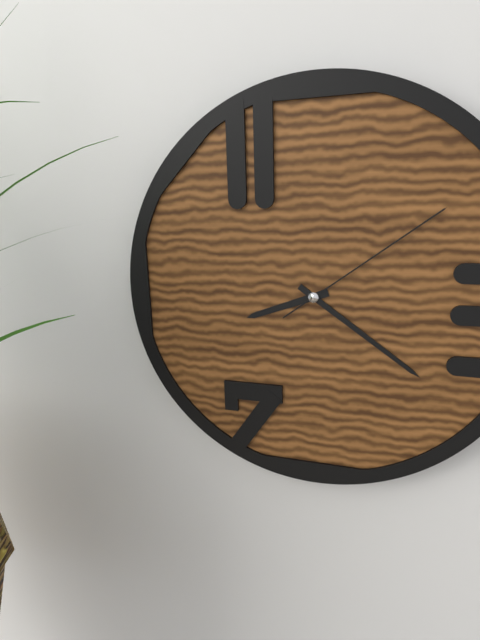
8,21,09
